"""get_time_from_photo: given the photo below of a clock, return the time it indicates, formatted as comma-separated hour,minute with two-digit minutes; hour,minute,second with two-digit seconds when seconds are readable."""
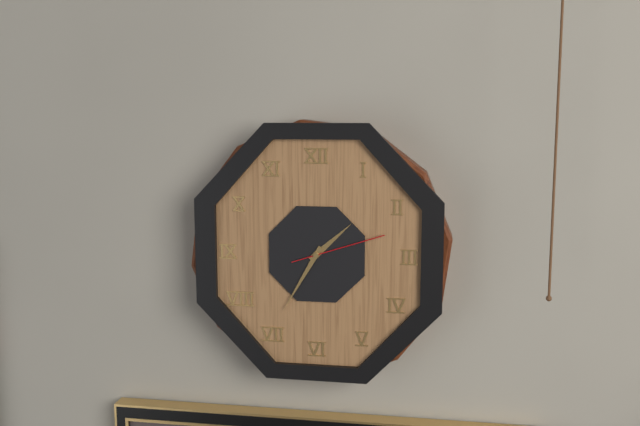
1,35,12
